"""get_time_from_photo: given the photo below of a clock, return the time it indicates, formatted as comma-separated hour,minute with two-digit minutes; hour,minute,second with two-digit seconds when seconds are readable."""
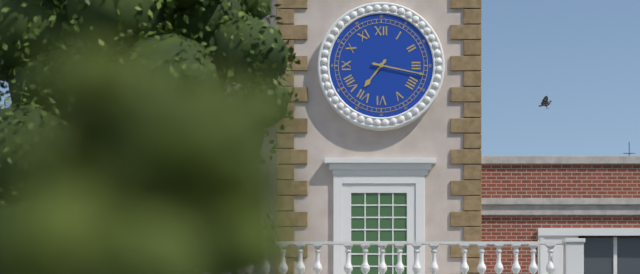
7,17
